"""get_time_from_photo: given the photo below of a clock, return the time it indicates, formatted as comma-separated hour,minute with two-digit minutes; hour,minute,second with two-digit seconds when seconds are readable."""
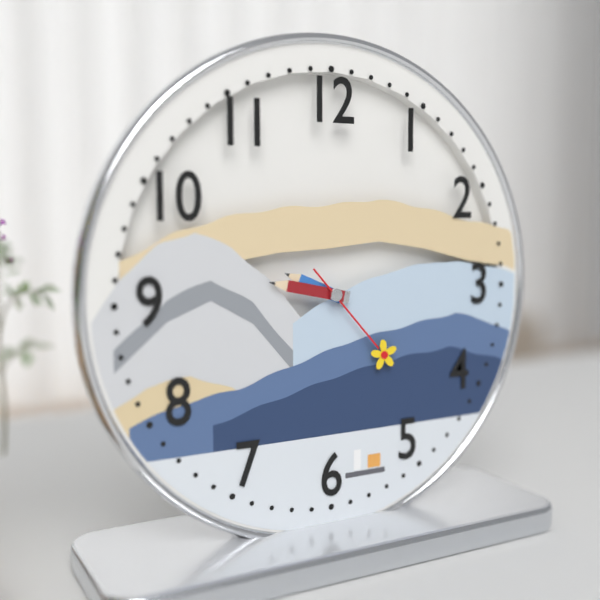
9,47,23
